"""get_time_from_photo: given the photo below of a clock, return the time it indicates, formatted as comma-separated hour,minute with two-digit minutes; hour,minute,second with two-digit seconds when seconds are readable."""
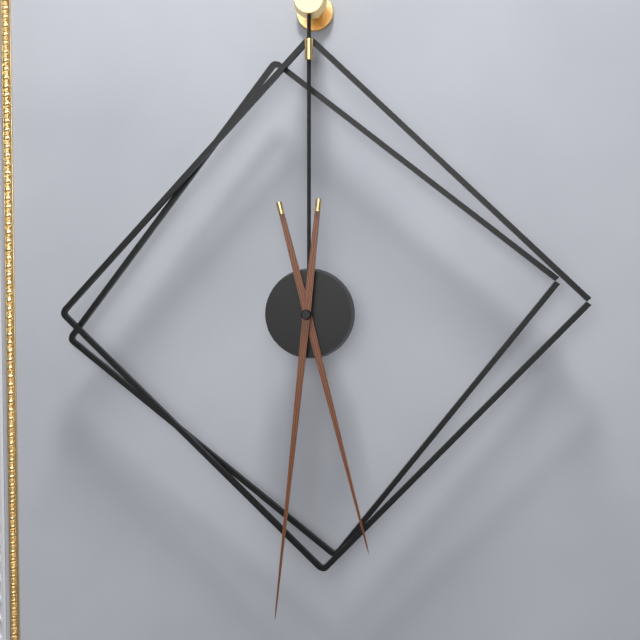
5,31
